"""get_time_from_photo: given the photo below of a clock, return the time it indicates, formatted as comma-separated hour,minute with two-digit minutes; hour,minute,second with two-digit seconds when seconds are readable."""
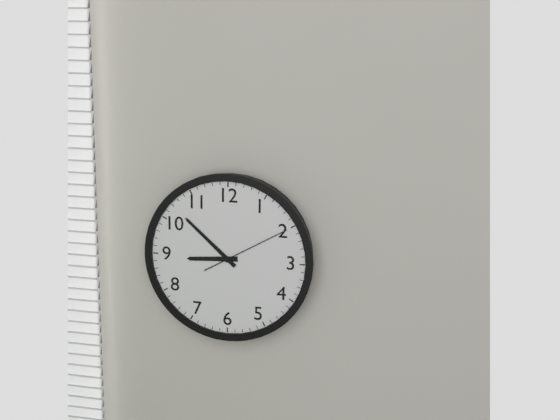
8,52,10
